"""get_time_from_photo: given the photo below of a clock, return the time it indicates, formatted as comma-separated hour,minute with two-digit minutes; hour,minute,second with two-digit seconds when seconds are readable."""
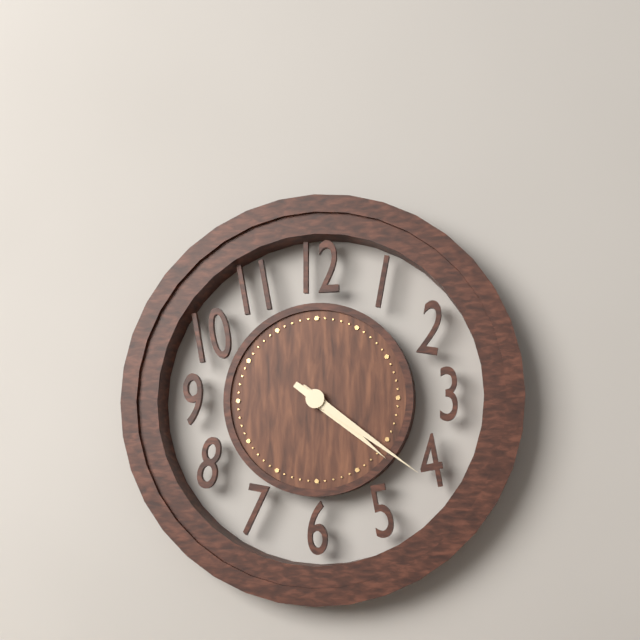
4,21
